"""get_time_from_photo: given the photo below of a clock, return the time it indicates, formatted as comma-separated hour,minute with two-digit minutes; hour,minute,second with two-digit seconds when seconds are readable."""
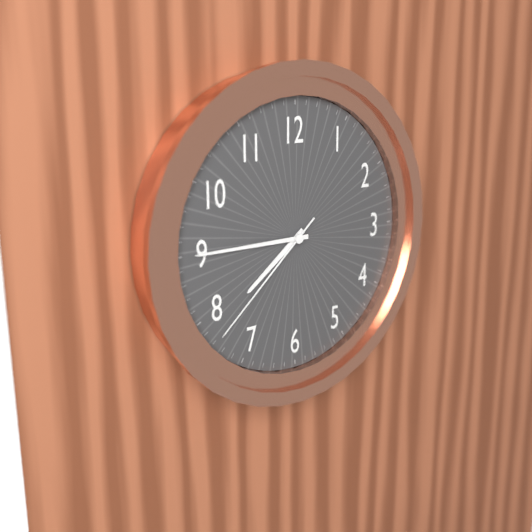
7,45,38
